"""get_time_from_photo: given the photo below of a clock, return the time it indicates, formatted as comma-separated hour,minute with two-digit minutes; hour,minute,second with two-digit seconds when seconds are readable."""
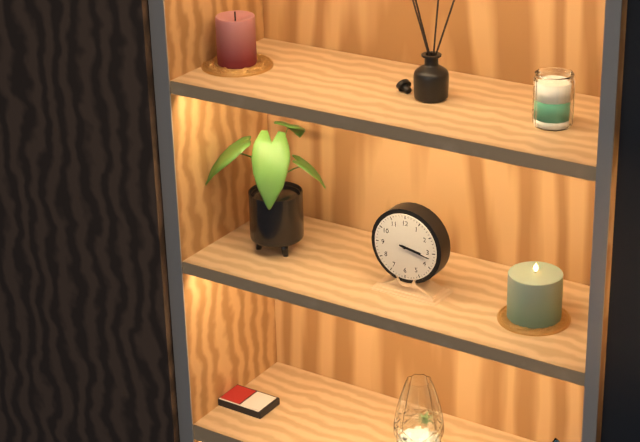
3,17
